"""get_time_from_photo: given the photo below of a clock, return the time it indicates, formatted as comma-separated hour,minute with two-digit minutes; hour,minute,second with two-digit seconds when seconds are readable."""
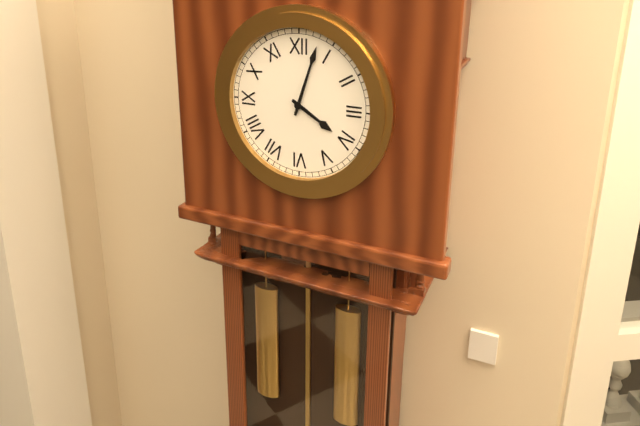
4,03
